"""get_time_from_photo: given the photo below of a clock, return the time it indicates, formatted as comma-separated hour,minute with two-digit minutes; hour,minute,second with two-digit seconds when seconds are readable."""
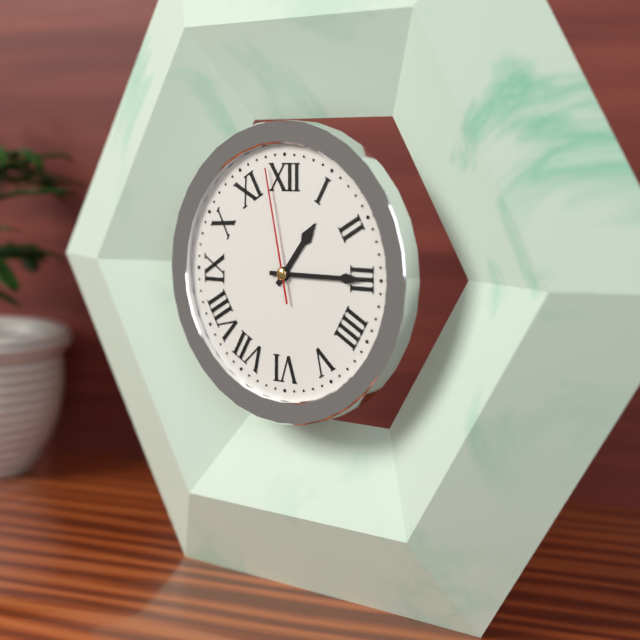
1,15,58
